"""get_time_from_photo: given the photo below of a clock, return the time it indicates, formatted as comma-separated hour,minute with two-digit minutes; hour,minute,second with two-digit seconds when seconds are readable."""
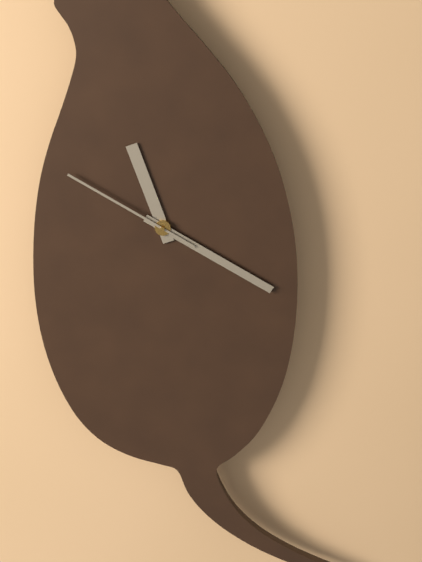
11,20,50
